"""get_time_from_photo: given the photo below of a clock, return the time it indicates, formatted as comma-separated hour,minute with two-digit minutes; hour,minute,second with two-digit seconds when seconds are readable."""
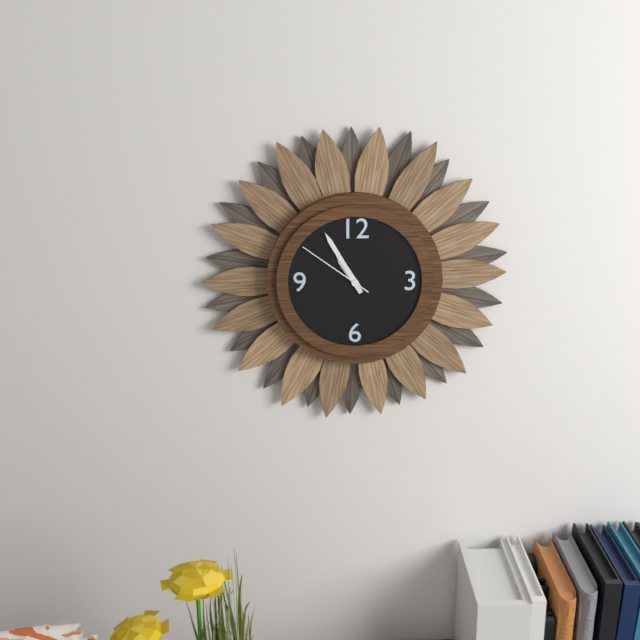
10,55,51
